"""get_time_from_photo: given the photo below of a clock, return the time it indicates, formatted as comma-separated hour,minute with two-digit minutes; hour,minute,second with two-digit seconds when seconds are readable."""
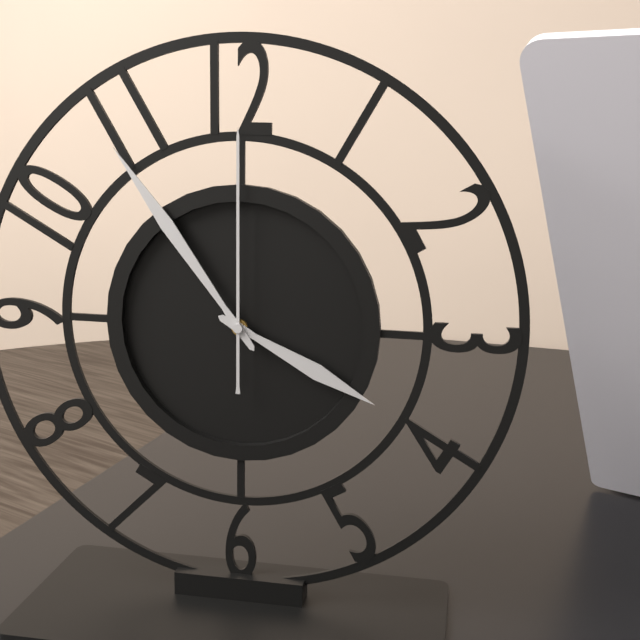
3,54,00
